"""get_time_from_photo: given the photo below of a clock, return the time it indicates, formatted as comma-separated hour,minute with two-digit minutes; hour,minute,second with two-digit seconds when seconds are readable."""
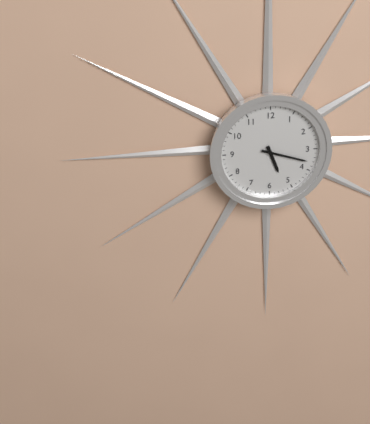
5,18
